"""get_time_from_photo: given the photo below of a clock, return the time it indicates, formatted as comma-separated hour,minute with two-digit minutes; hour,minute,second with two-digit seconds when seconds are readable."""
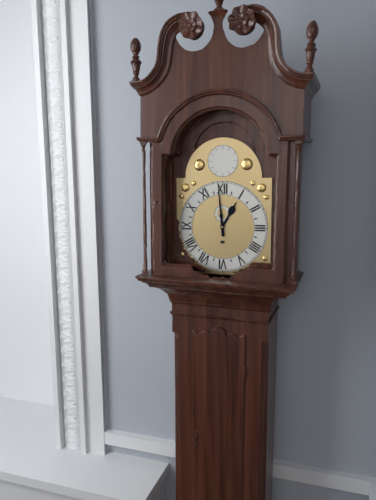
12,59
